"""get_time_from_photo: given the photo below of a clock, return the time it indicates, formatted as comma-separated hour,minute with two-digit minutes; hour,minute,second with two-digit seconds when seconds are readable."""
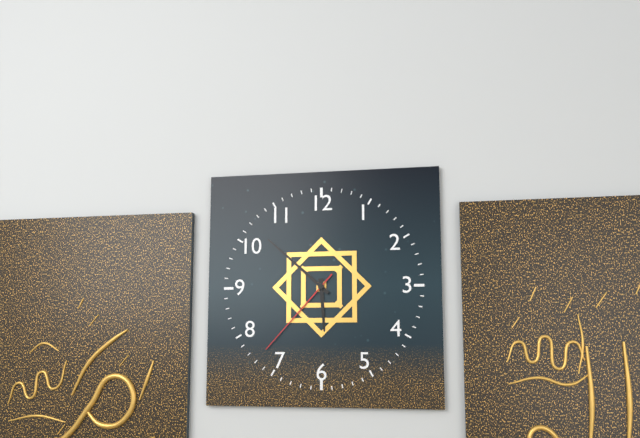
5,52,37
